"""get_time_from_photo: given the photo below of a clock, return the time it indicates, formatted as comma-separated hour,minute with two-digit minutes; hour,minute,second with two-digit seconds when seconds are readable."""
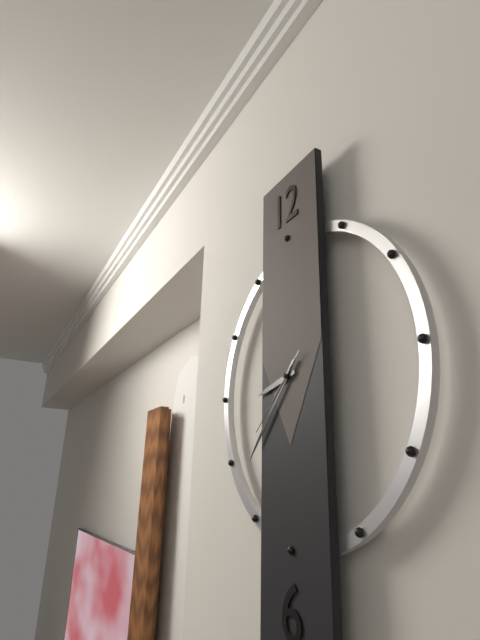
8,37,38
